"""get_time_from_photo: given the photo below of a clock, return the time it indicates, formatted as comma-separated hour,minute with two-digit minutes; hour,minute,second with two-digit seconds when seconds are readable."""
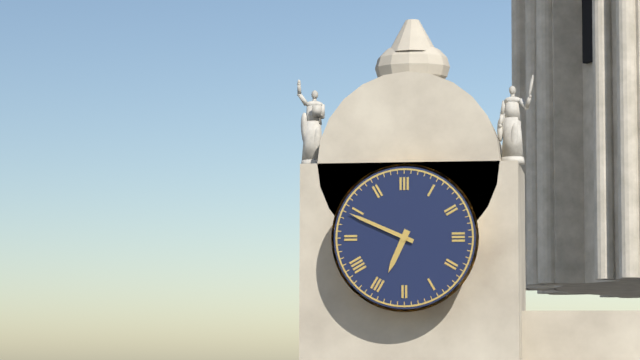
6,49
